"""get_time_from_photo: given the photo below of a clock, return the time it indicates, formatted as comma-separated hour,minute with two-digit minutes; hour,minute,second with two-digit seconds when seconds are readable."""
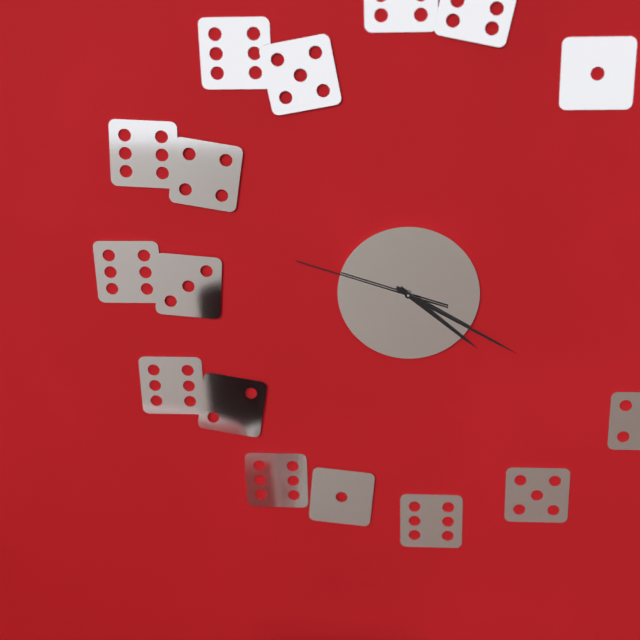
4,20,48
